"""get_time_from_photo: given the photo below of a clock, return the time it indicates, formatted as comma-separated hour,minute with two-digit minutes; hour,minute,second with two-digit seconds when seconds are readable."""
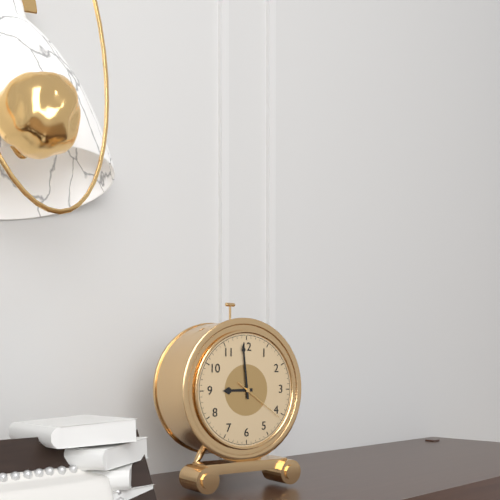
8,59,21
